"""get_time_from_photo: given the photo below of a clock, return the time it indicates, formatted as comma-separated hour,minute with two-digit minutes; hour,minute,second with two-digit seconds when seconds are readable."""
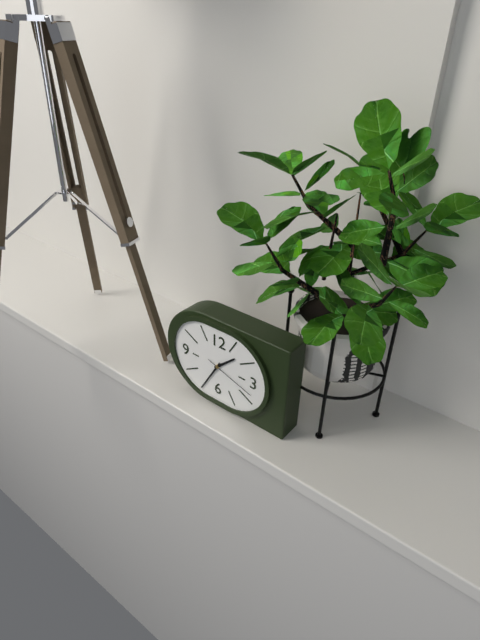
1,35,18
